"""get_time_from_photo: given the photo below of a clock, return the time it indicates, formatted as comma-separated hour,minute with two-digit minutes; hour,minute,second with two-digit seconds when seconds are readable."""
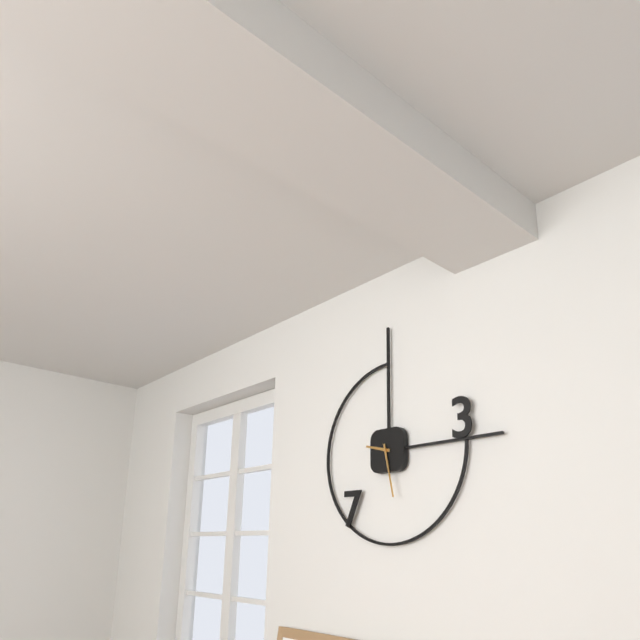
9,28
